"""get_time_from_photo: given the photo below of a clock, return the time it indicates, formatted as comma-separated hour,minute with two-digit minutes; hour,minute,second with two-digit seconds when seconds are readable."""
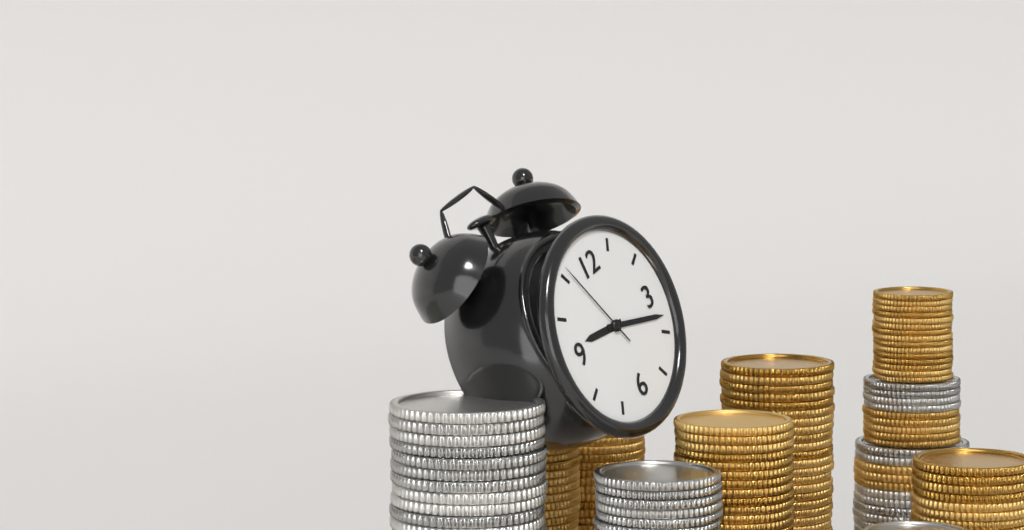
9,18,56
